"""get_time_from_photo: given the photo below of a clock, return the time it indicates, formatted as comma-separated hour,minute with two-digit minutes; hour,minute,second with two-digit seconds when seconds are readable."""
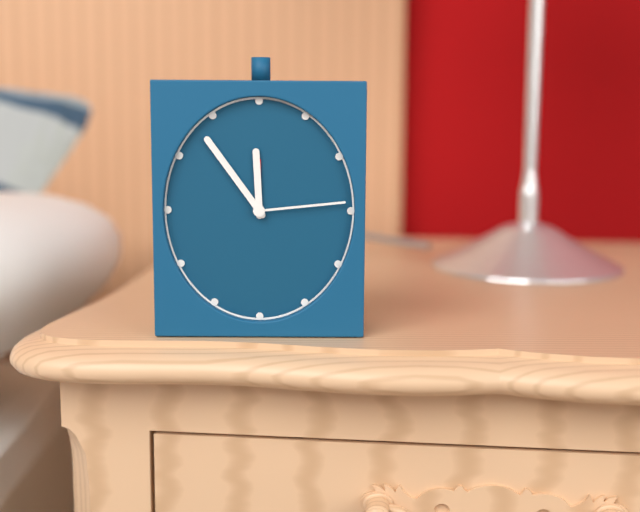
11,54,14
